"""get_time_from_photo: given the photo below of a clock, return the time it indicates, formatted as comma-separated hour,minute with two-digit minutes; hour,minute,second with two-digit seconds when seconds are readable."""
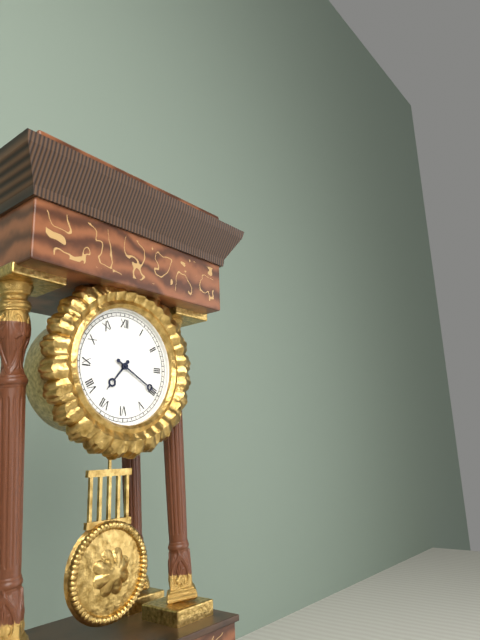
7,20
